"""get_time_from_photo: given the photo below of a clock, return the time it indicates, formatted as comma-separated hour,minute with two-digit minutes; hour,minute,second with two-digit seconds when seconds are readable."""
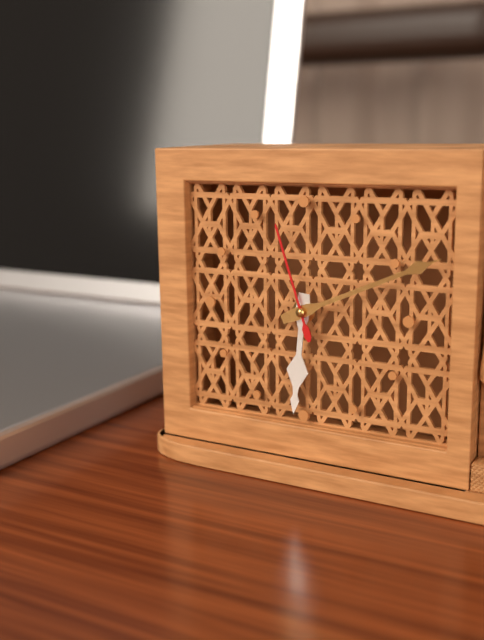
6,11,57
